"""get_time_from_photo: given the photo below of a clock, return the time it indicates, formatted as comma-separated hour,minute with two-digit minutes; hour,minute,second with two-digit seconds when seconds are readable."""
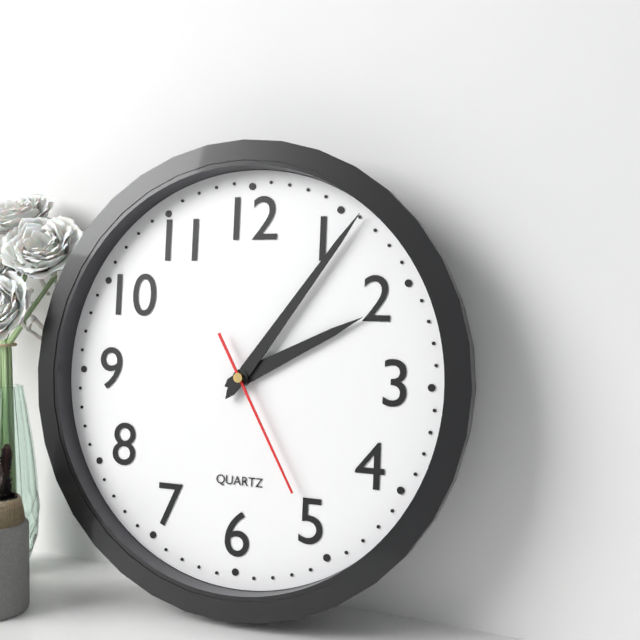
2,06,25
